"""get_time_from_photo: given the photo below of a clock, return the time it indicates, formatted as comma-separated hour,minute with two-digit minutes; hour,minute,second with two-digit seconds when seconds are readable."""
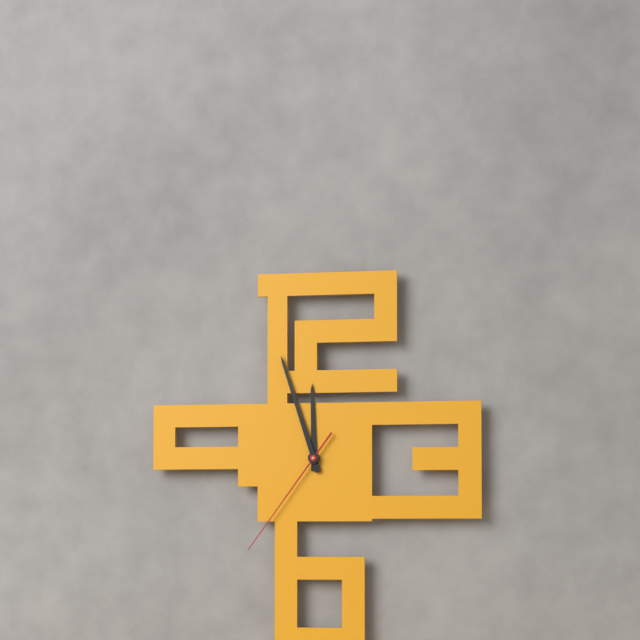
11,57,36
